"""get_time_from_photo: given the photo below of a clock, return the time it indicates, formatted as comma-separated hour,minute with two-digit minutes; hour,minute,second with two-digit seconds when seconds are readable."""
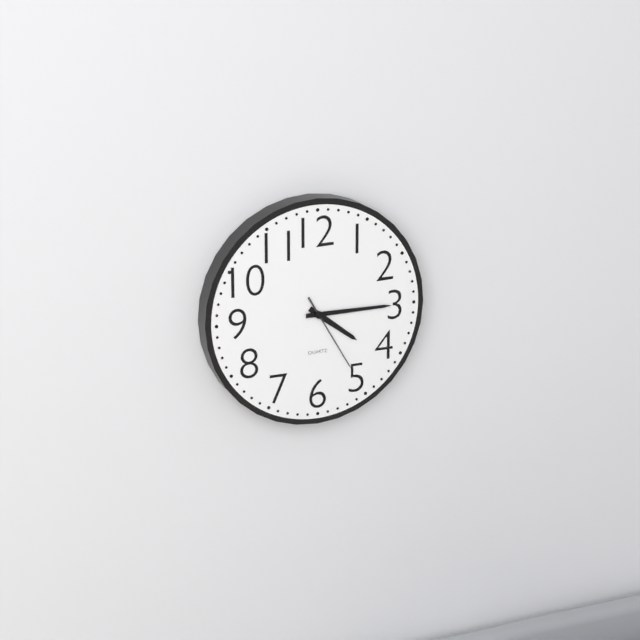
4,15,25
